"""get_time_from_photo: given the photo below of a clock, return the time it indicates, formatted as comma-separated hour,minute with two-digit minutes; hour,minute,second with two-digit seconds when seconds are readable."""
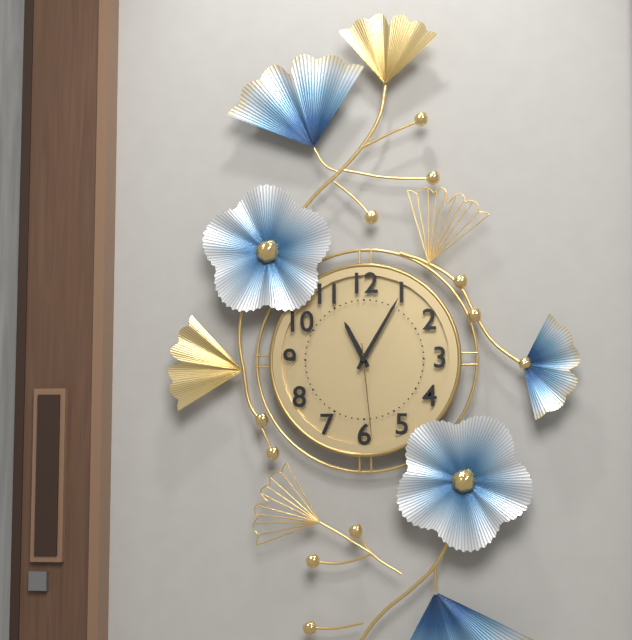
11,05,29
